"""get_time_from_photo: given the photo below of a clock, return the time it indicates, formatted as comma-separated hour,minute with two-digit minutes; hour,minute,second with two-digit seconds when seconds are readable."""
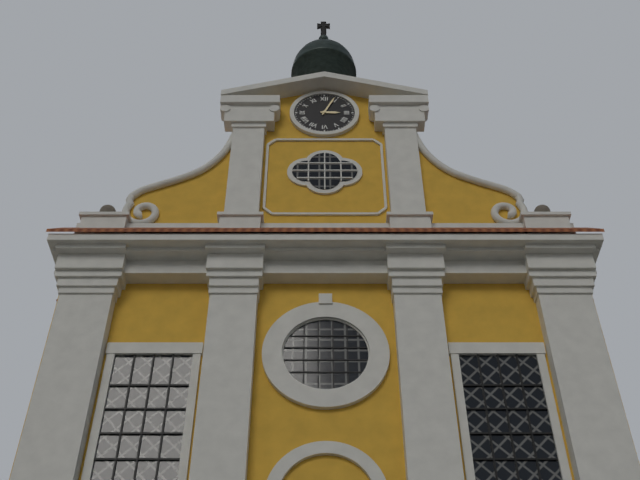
3,04
